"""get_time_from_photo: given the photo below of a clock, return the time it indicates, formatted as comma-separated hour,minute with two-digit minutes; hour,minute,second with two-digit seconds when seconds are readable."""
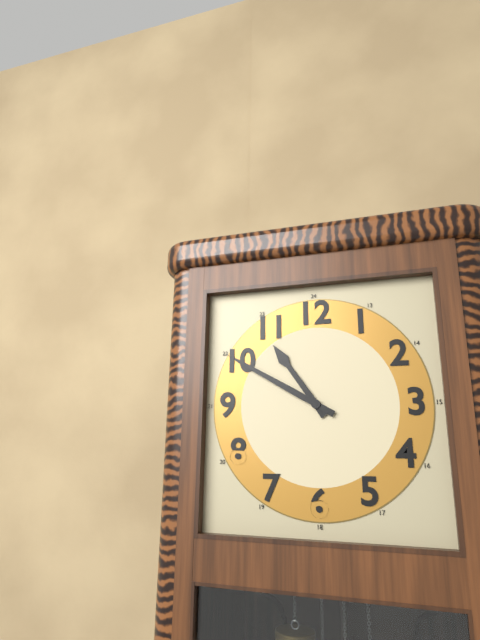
10,50
